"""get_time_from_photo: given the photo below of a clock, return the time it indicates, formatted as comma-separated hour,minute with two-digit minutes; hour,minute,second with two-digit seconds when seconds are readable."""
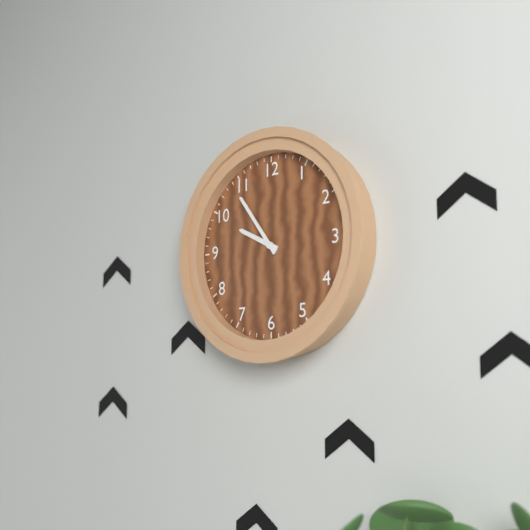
9,54
